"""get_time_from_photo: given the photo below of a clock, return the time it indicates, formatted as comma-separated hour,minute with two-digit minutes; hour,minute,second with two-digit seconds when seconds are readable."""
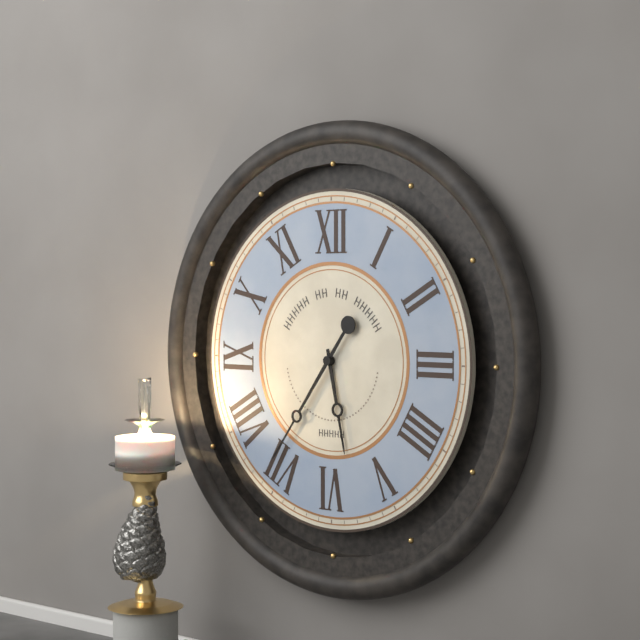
5,36
